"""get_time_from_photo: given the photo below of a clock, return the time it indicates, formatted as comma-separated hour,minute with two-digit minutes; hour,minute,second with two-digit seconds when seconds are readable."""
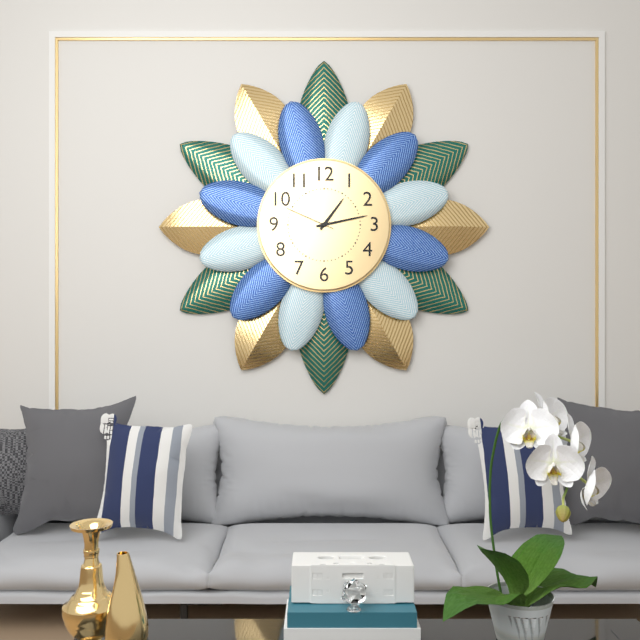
1,13,49
